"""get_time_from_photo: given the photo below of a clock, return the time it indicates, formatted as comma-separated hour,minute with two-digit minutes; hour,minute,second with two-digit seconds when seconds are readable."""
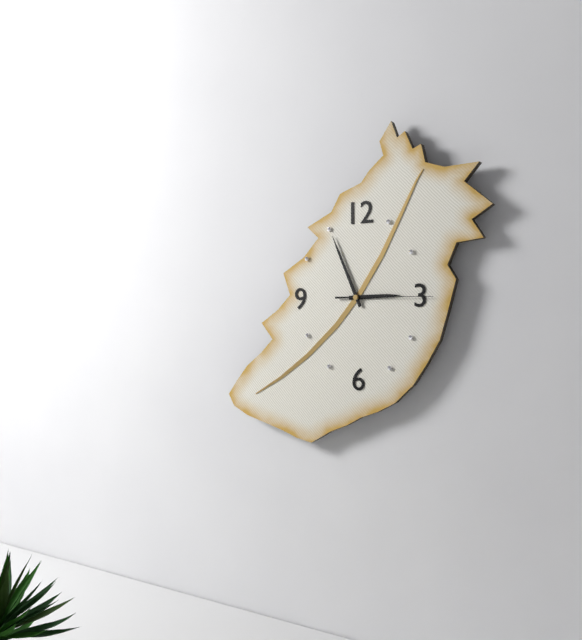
2,56,15
